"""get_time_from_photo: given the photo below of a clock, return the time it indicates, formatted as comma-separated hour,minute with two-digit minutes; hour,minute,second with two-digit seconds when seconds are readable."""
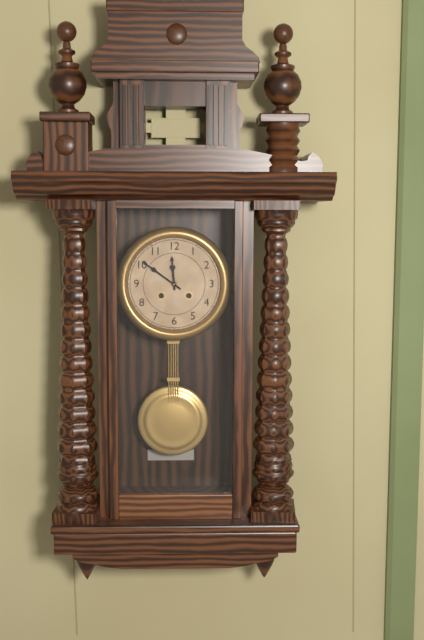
11,51
